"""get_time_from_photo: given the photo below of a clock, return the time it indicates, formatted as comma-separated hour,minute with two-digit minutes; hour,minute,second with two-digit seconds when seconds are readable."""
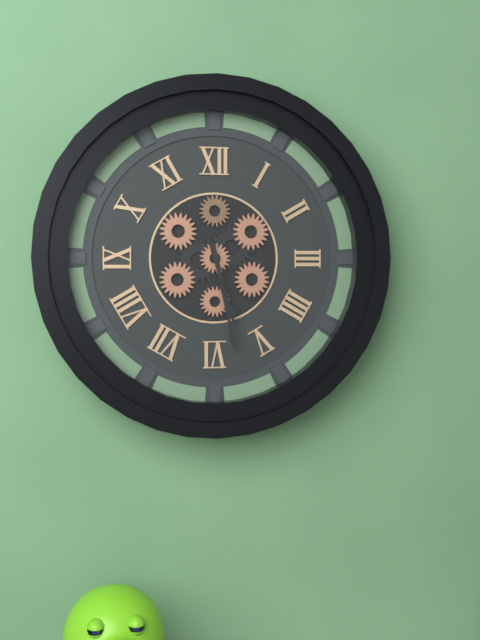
5,28
